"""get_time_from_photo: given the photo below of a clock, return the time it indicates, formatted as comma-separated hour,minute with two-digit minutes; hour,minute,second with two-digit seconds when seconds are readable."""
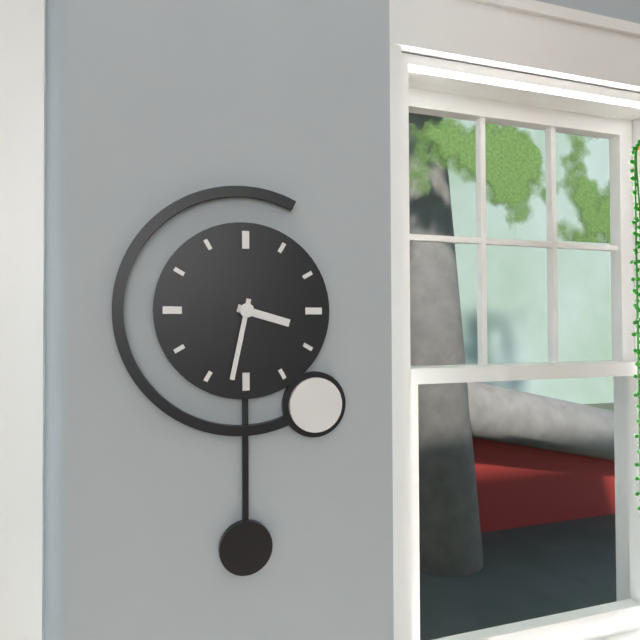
3,32
